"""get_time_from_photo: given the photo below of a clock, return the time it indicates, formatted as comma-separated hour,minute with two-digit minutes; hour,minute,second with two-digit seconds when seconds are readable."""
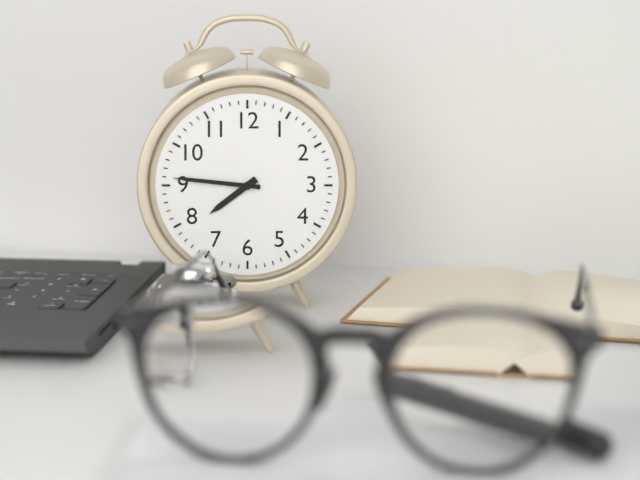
7,46
